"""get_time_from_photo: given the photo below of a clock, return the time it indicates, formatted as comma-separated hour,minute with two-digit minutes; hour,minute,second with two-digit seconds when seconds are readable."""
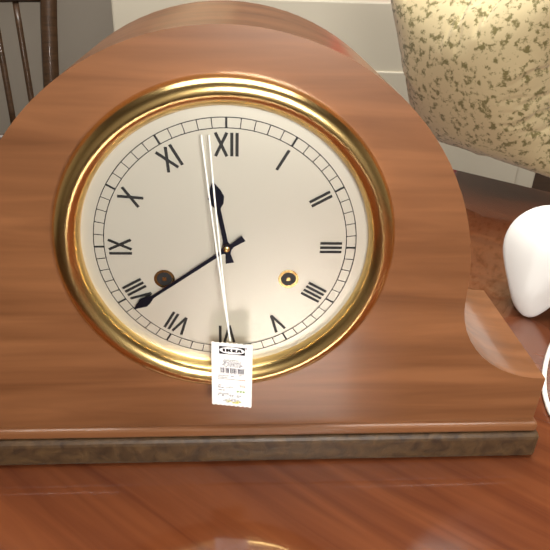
11,39
